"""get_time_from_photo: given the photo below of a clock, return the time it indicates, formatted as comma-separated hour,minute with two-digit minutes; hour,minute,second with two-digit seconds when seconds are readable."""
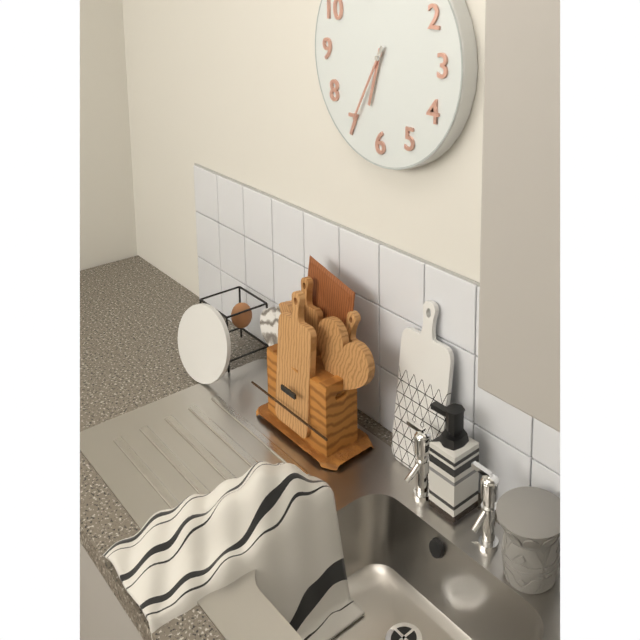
6,35
